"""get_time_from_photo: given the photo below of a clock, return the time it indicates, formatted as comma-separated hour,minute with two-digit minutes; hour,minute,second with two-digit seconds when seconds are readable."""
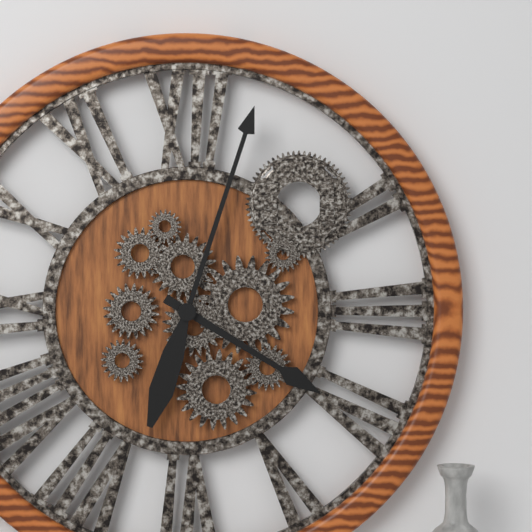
4,03
